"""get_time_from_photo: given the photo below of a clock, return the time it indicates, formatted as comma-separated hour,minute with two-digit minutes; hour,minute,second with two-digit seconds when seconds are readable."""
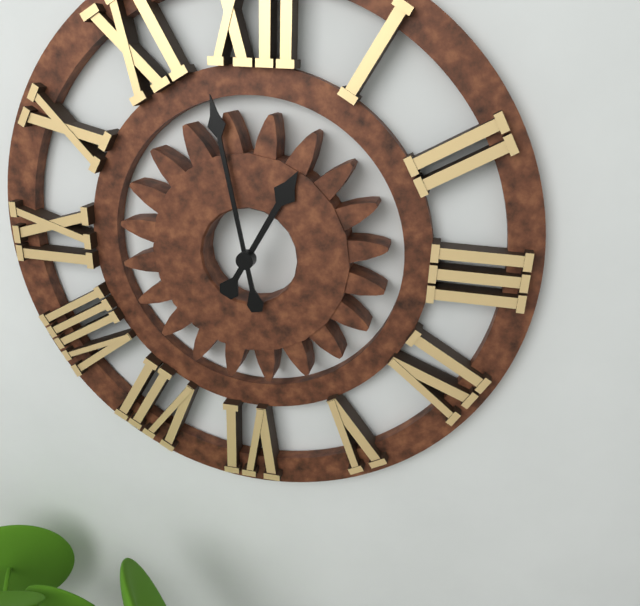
12,58
